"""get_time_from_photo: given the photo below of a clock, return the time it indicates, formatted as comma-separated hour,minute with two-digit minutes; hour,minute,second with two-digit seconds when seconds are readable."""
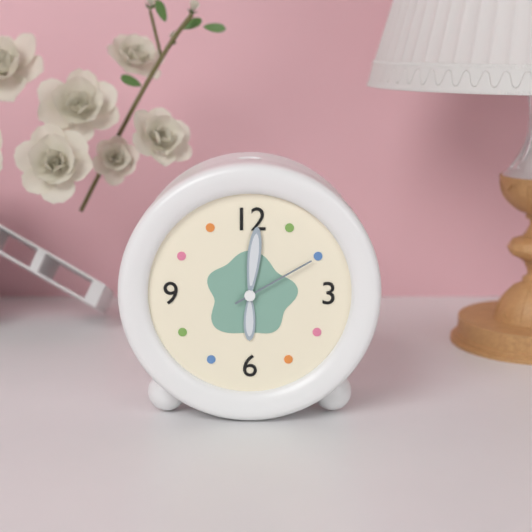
6,01,10
